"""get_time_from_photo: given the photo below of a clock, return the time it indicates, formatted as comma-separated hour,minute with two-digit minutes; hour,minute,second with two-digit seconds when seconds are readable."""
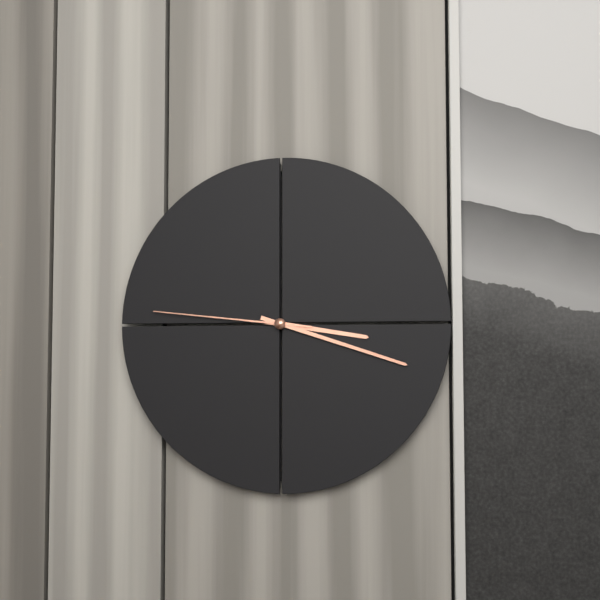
3,18,46
